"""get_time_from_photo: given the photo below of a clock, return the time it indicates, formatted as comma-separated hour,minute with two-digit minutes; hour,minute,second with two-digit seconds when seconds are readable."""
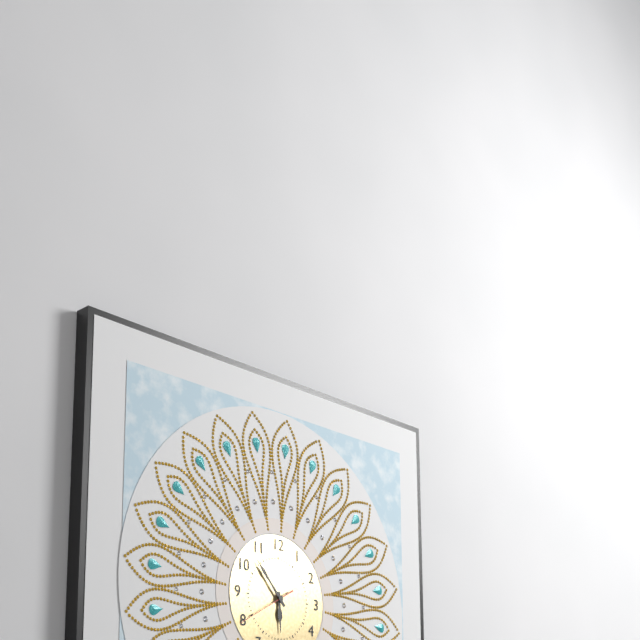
5,53,40
